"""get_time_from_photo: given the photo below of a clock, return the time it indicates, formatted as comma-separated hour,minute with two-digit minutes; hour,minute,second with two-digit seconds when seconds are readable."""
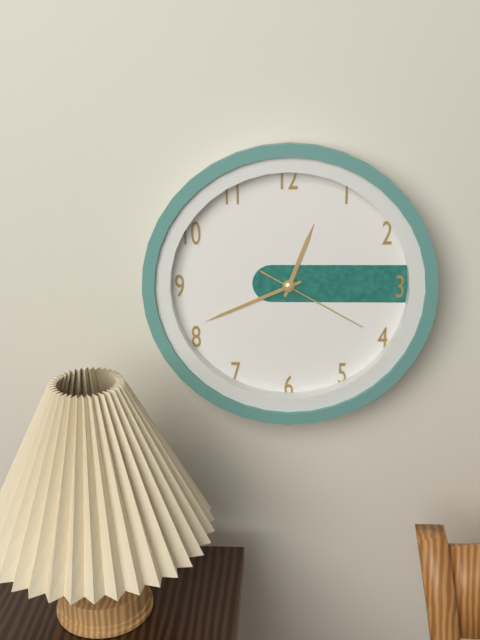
12,41,20
